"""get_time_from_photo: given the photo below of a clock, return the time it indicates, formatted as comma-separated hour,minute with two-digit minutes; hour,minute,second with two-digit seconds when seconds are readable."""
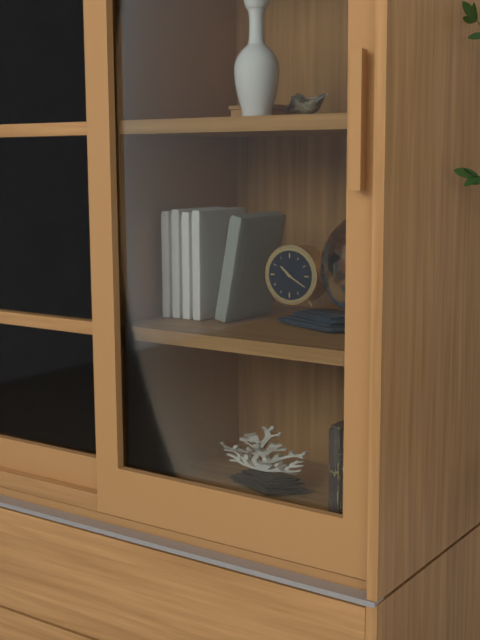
10,20
